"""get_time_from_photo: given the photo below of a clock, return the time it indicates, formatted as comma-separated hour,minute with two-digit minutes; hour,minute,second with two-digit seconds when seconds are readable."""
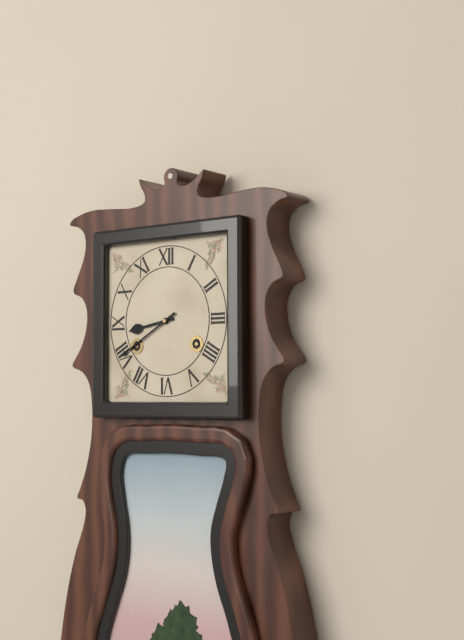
8,40
